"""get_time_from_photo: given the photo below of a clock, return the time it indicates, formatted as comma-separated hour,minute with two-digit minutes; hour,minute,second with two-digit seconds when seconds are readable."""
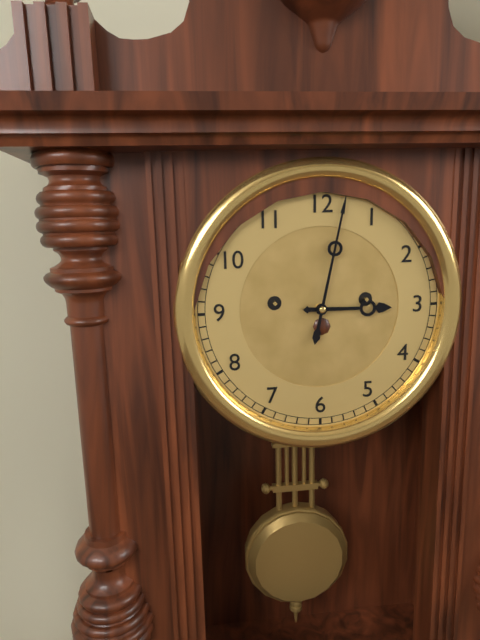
3,02
